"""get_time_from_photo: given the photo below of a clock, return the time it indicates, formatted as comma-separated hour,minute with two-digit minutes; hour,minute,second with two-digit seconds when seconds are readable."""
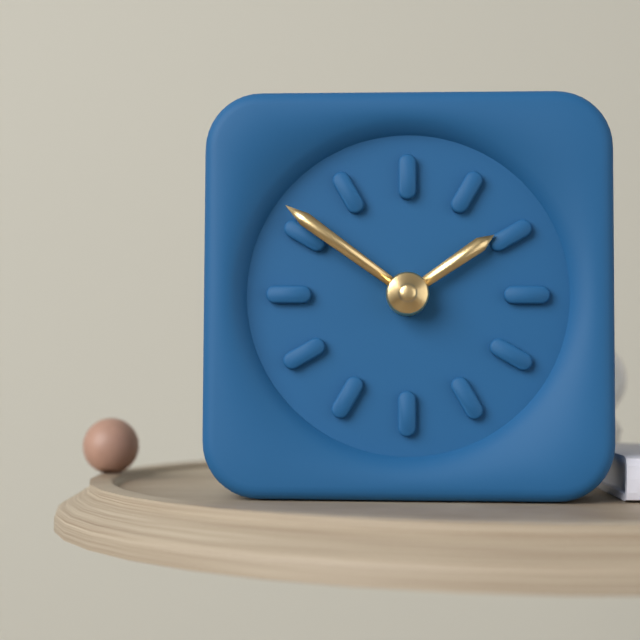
1,51
